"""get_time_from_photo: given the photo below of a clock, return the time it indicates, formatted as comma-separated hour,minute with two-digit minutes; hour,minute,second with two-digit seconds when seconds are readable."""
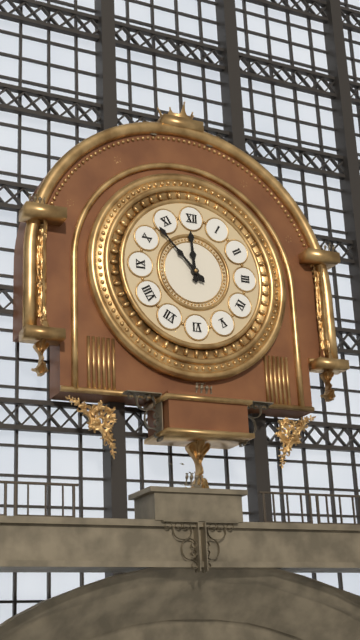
11,53
